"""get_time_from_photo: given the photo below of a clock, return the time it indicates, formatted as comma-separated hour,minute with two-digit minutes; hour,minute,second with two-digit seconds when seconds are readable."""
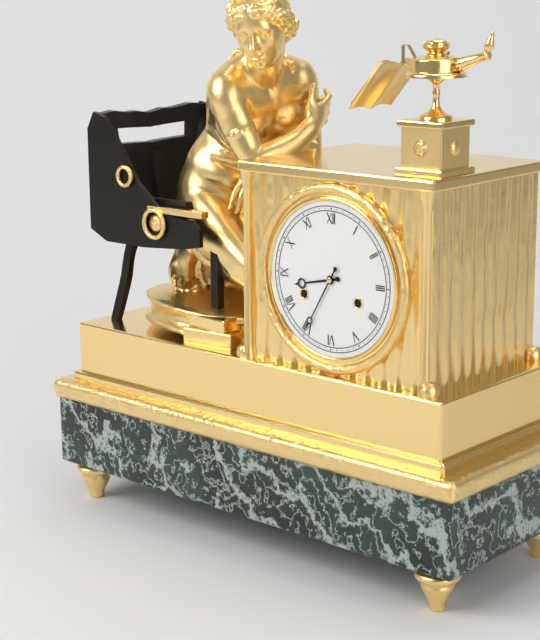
8,35
